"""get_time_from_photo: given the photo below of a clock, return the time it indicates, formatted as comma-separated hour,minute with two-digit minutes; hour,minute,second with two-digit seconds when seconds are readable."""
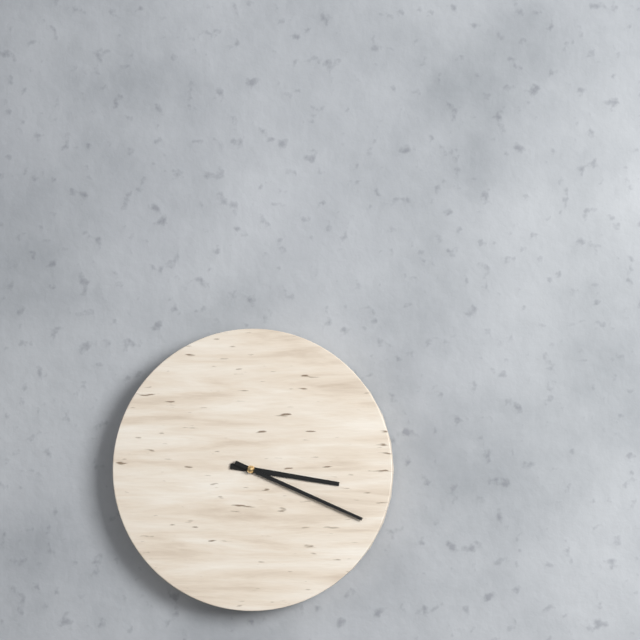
3,19
